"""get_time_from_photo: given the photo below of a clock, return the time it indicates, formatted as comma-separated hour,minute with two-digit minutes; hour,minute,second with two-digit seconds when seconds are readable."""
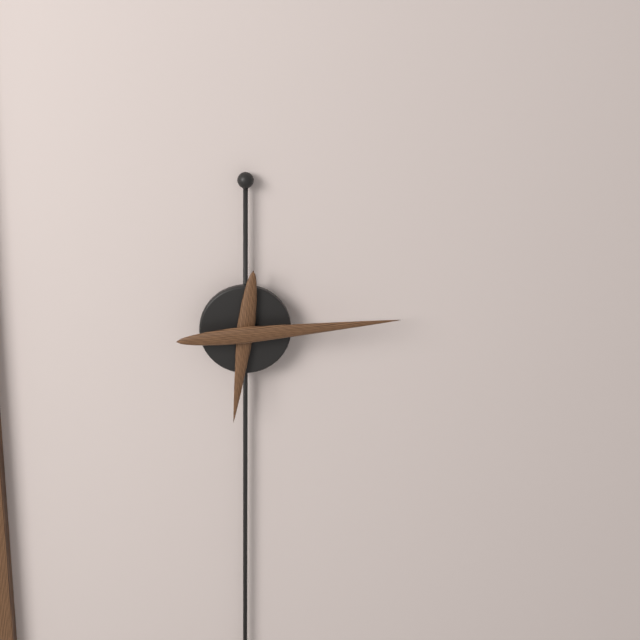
6,14
